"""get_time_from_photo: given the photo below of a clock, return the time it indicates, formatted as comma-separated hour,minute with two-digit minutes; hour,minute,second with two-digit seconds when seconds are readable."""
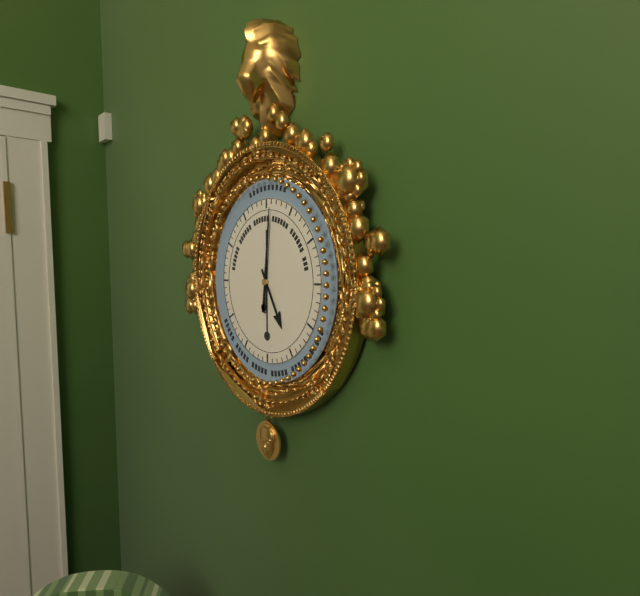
5,01
